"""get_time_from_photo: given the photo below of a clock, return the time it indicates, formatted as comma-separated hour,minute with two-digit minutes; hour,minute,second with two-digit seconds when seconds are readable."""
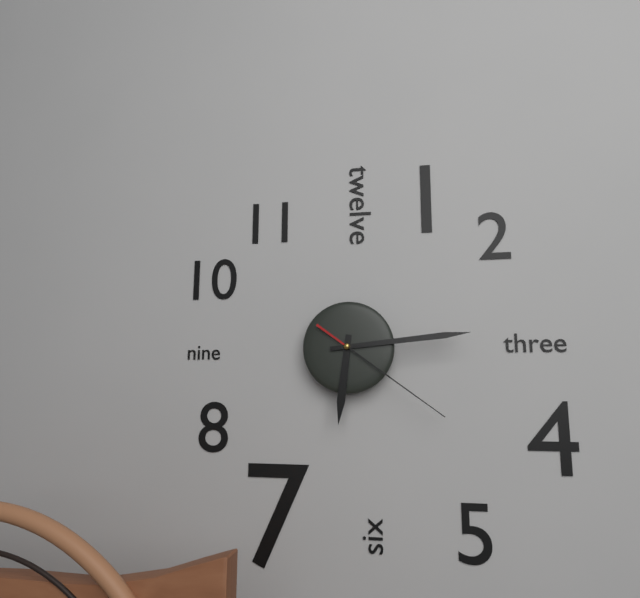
6,14,21
